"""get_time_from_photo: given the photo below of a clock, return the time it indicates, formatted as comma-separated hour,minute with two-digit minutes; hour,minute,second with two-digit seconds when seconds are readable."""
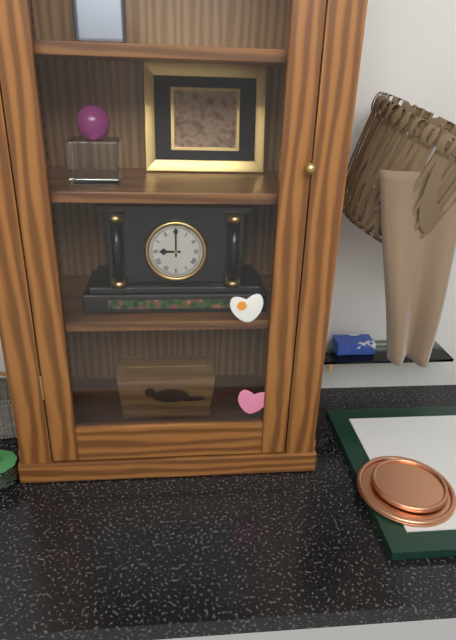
9,00
